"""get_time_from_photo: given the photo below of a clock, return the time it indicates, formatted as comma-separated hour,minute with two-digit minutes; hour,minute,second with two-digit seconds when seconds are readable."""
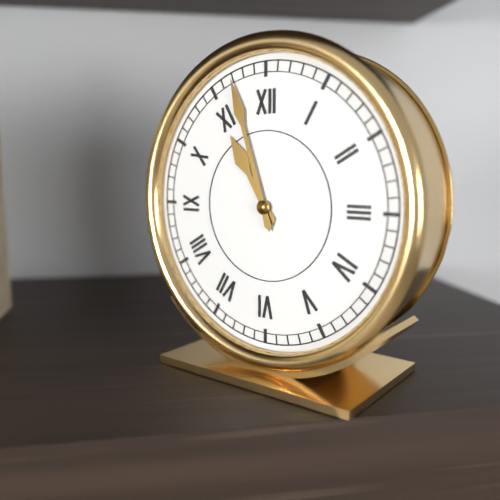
10,57
